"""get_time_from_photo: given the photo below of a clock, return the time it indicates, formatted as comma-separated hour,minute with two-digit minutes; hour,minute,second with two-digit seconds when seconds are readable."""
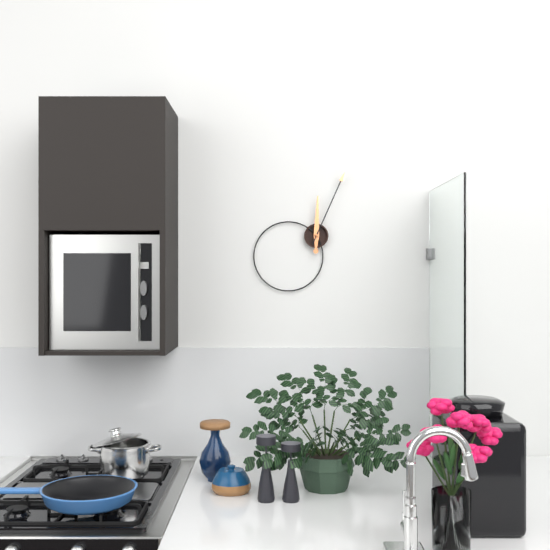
12,04
